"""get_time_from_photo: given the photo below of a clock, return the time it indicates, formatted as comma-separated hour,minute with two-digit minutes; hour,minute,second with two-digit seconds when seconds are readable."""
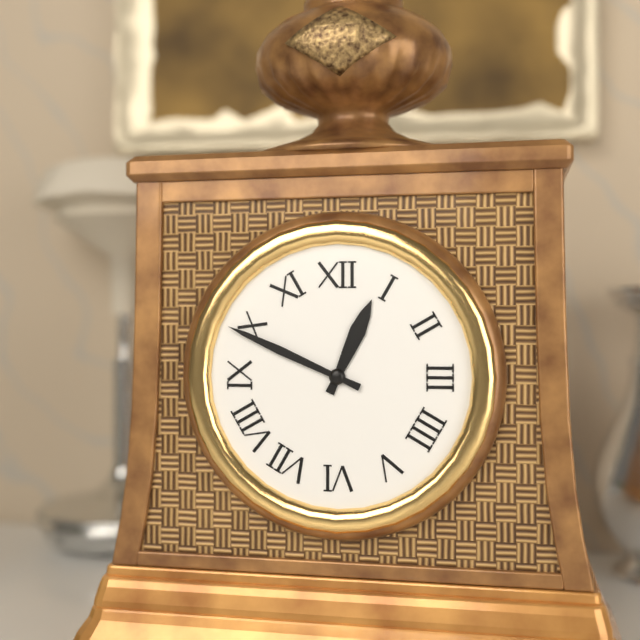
12,49
